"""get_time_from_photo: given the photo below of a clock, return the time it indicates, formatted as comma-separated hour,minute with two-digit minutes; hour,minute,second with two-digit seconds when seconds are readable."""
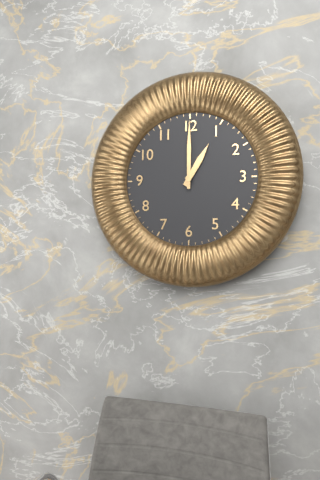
1,00
